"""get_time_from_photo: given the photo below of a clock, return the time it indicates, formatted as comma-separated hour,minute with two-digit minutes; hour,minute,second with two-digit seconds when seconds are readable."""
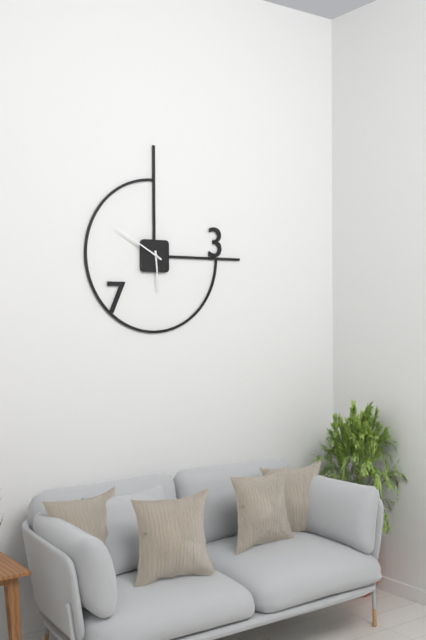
5,50
